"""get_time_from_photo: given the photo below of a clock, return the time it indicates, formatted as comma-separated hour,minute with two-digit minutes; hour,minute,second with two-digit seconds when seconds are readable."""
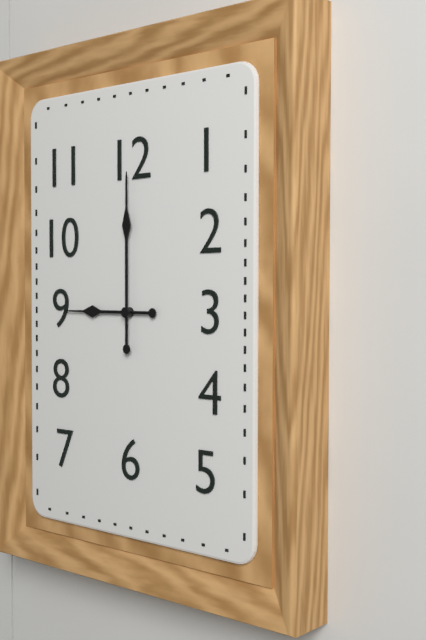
9,00
